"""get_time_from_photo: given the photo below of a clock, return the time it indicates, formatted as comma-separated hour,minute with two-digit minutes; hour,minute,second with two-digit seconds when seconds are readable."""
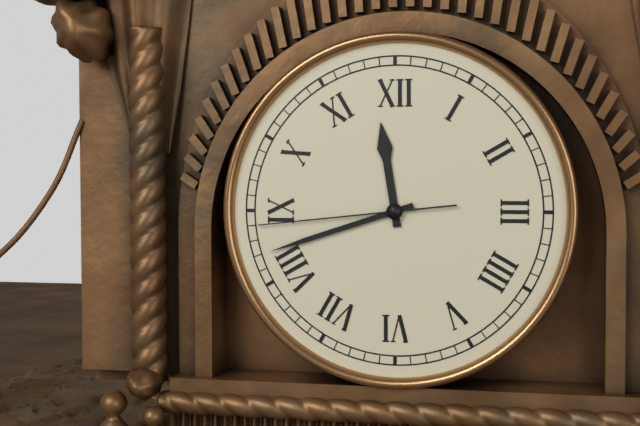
11,42,44
